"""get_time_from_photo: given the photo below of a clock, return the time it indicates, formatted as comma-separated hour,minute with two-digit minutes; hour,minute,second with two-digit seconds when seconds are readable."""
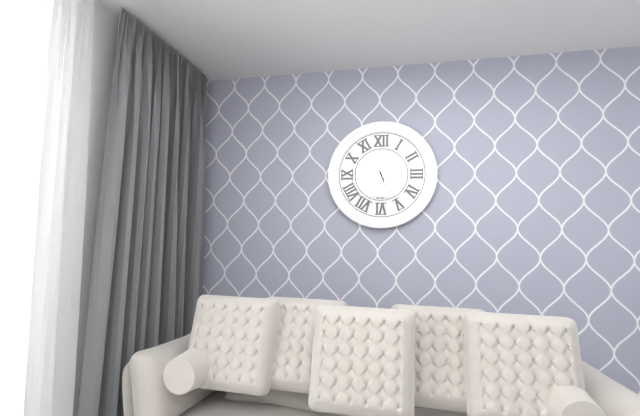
5,25
